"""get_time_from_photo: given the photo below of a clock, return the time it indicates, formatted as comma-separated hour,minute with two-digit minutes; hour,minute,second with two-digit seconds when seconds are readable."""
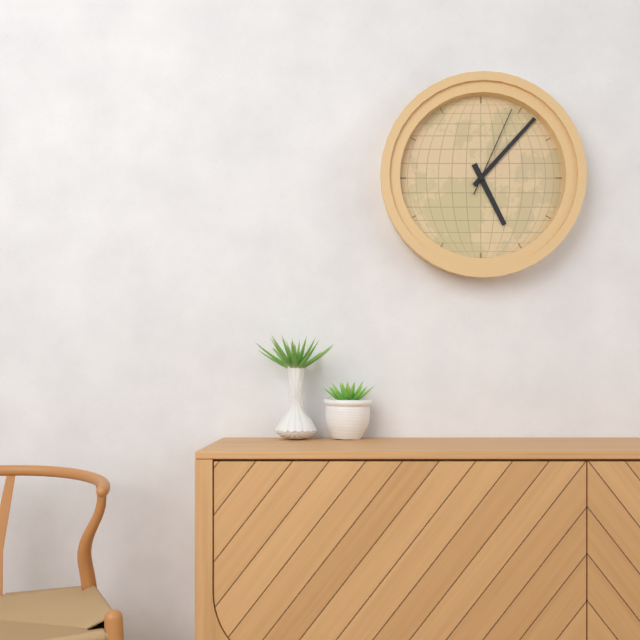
5,07,04
